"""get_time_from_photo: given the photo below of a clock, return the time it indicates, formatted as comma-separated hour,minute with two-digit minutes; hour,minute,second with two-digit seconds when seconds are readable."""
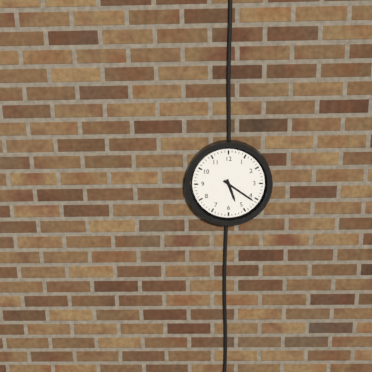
5,21
